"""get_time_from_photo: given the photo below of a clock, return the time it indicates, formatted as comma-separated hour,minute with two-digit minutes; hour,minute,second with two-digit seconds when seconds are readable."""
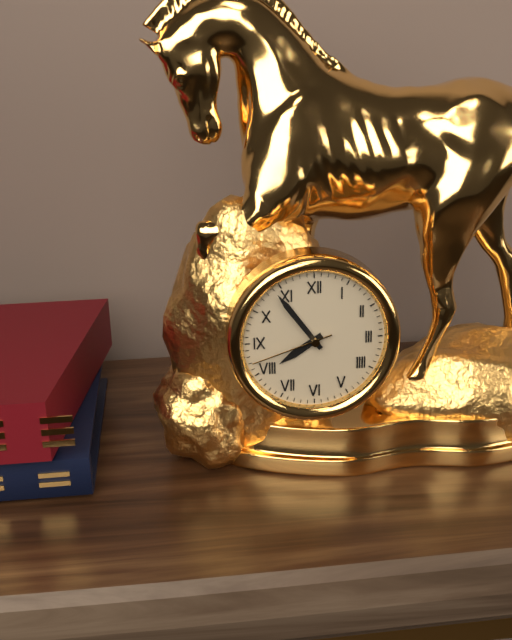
7,54,42
